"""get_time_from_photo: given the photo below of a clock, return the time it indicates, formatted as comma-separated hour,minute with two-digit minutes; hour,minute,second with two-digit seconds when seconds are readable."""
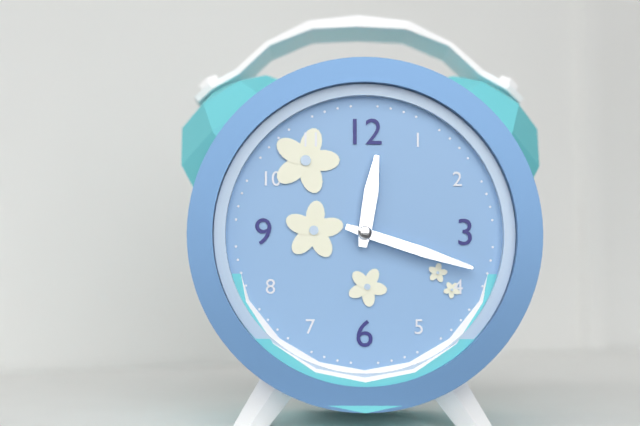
12,18
